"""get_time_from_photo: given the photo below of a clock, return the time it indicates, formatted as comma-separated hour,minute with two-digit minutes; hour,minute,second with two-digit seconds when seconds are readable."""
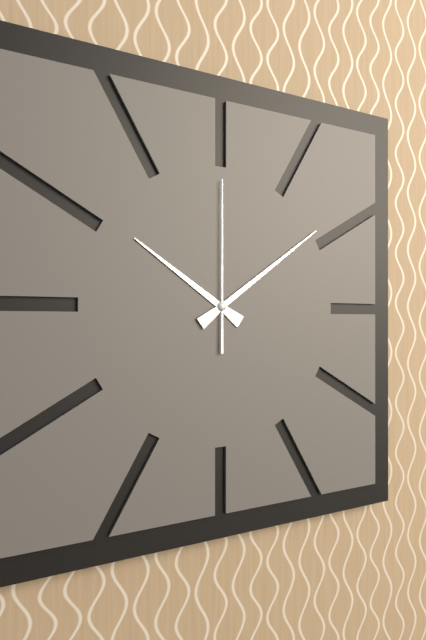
10,09,00
